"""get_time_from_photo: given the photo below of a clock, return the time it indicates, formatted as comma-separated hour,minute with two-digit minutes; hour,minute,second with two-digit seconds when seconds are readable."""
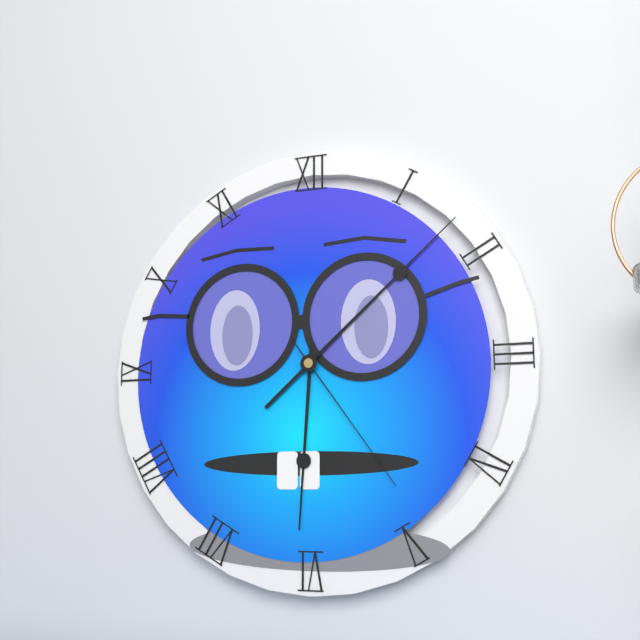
6,08,24
